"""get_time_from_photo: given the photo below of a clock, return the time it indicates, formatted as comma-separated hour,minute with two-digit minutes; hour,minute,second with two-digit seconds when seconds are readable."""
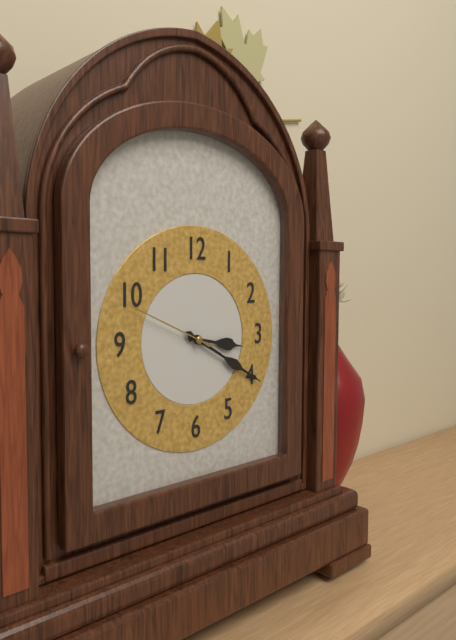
3,20,49
